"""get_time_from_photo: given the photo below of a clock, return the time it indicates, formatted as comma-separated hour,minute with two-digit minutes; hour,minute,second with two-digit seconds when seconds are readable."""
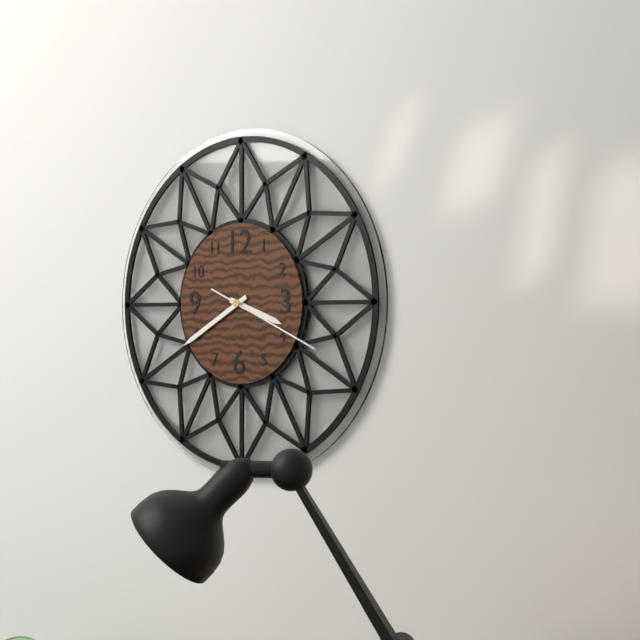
3,40,19
